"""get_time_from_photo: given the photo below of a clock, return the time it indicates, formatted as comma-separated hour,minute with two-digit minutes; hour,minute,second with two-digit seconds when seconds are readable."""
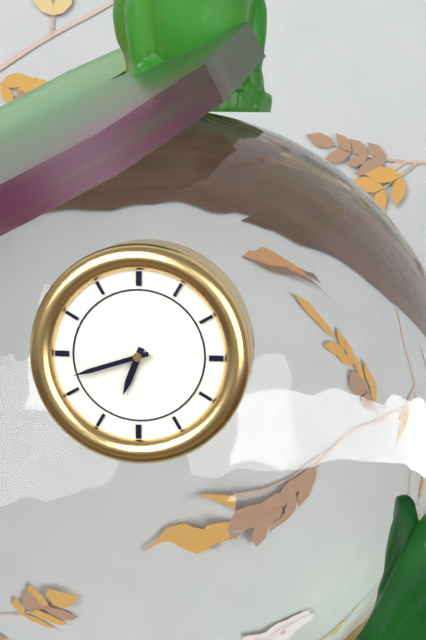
6,42
